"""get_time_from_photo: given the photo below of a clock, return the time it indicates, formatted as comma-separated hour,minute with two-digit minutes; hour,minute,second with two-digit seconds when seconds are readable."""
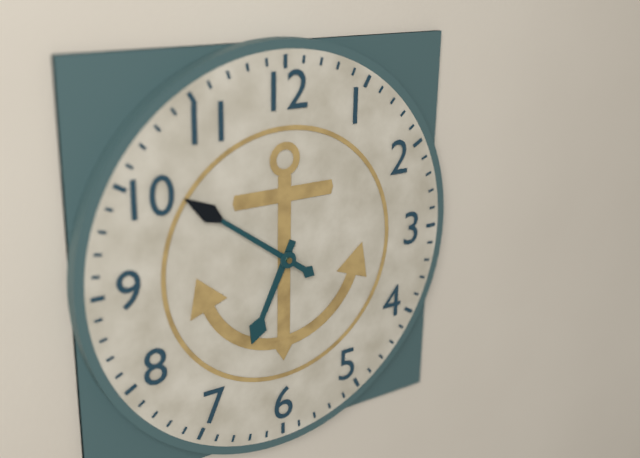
6,51
